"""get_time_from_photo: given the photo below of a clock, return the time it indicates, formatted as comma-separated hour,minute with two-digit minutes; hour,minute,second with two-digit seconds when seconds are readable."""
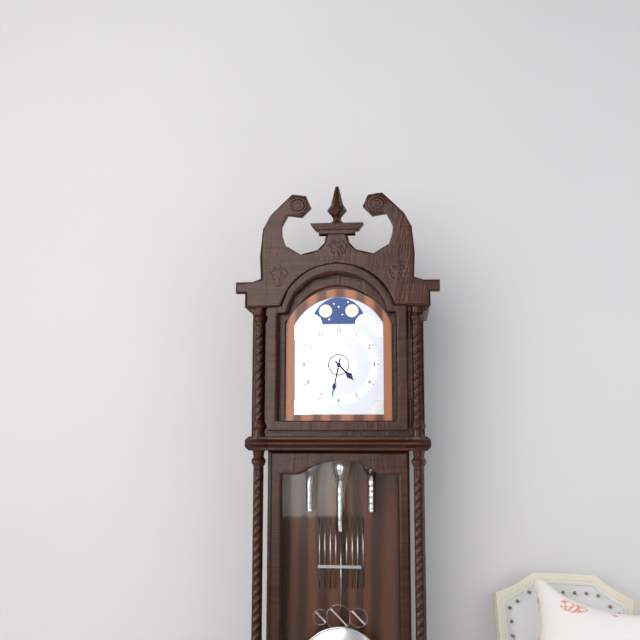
4,32
